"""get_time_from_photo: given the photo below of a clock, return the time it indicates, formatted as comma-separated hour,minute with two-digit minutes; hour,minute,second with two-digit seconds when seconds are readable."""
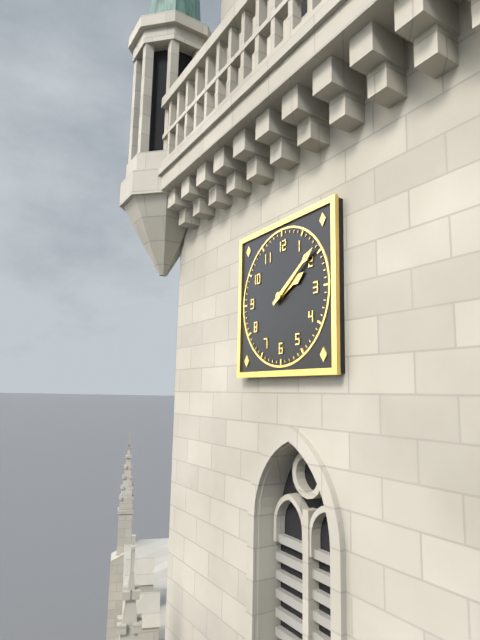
2,09
